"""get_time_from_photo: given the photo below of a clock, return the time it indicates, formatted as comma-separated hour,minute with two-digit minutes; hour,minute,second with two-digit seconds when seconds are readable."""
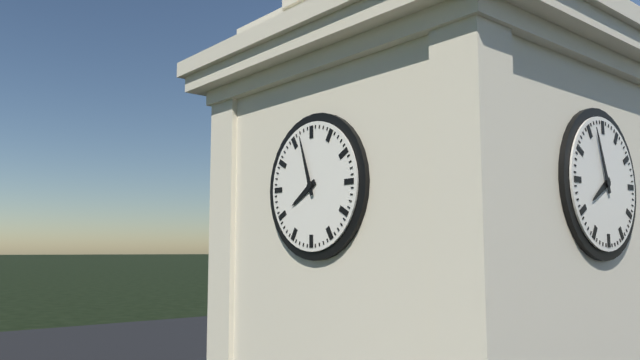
7,57
